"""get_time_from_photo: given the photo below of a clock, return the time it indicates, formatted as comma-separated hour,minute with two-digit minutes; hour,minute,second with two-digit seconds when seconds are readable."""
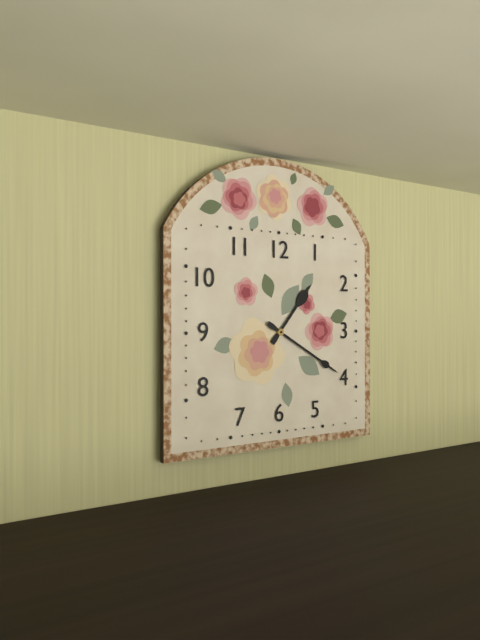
1,20
